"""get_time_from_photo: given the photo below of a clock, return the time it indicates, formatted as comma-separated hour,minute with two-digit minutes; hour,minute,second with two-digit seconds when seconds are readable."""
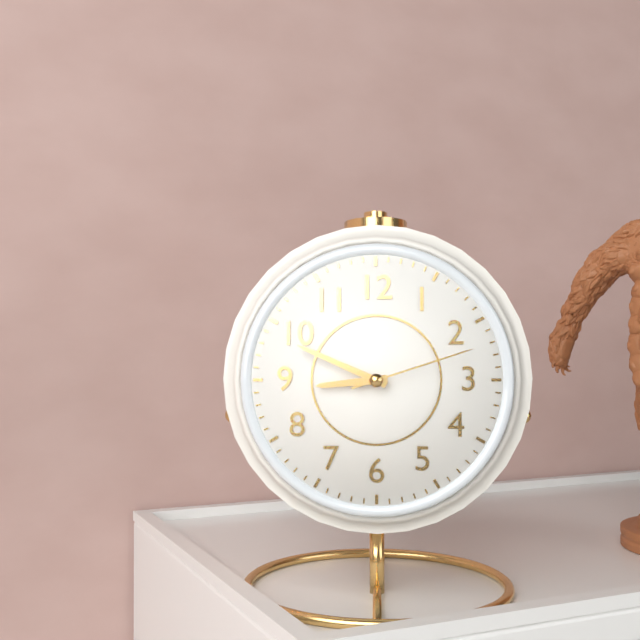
8,49,12
